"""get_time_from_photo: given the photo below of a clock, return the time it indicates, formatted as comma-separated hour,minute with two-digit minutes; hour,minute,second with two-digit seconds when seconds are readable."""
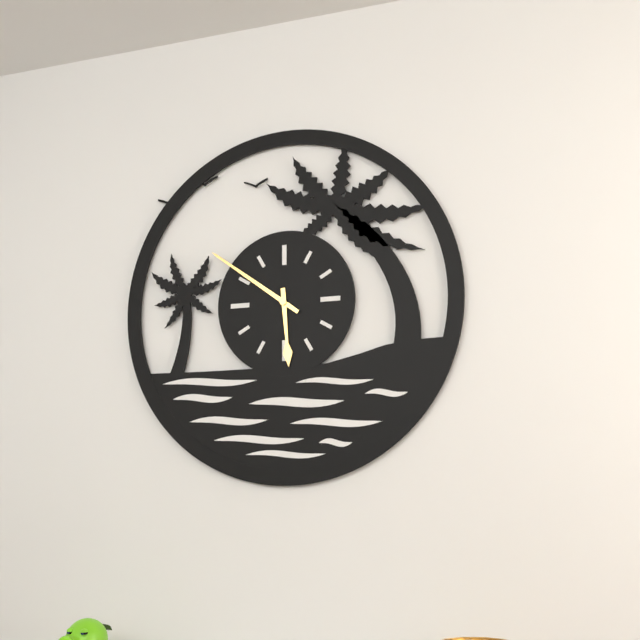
5,51
